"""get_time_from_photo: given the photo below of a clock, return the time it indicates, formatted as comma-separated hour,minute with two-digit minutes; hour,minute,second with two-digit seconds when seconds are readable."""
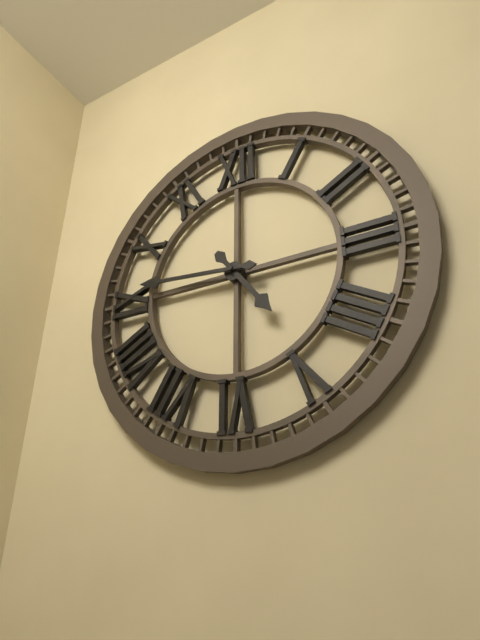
4,46
